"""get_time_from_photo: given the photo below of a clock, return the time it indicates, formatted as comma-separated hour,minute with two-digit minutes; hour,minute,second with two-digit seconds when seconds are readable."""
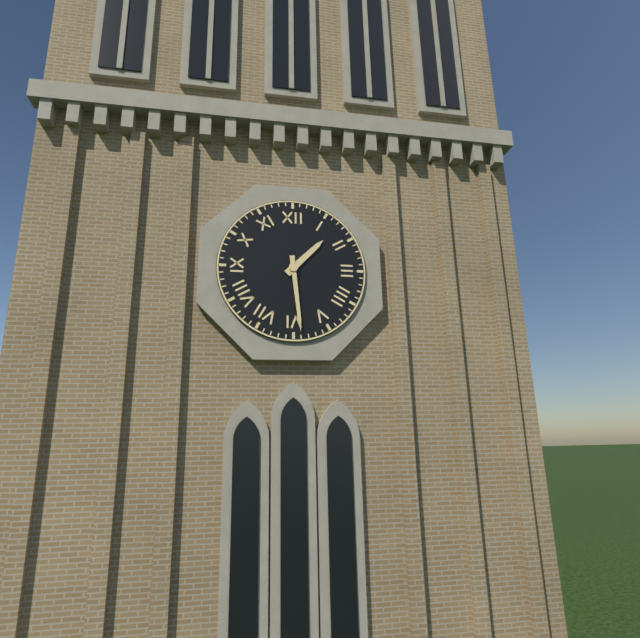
1,29
